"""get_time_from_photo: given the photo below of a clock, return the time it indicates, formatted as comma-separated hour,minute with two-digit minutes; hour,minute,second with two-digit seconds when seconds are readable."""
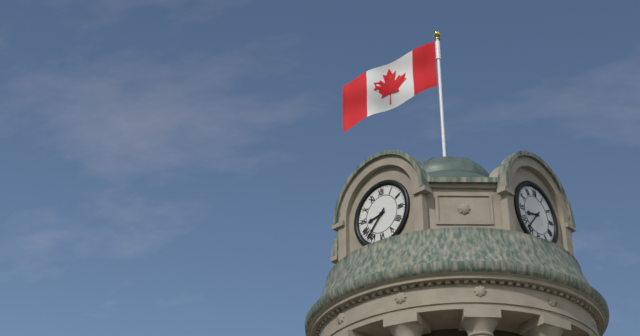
8,37
